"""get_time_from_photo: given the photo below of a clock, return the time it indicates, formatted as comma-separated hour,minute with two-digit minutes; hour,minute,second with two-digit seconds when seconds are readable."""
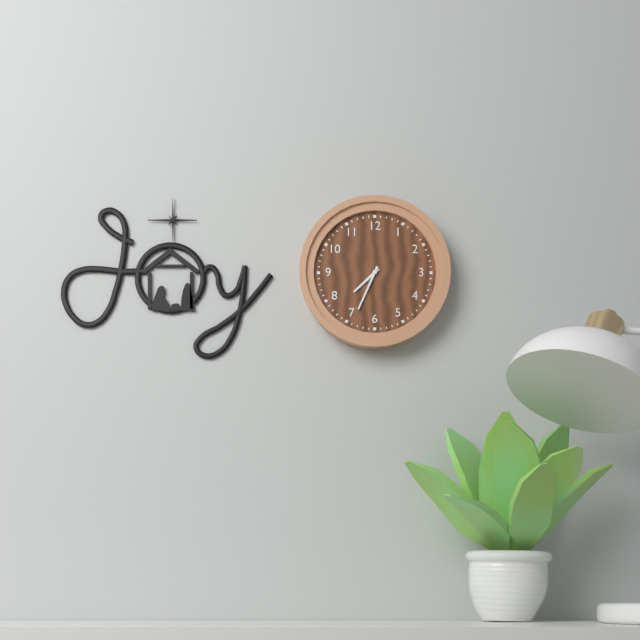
7,34
